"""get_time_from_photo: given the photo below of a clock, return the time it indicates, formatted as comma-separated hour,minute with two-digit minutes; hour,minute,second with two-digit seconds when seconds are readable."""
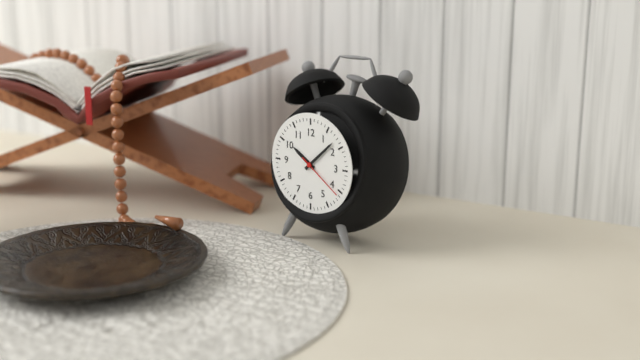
10,08,21
